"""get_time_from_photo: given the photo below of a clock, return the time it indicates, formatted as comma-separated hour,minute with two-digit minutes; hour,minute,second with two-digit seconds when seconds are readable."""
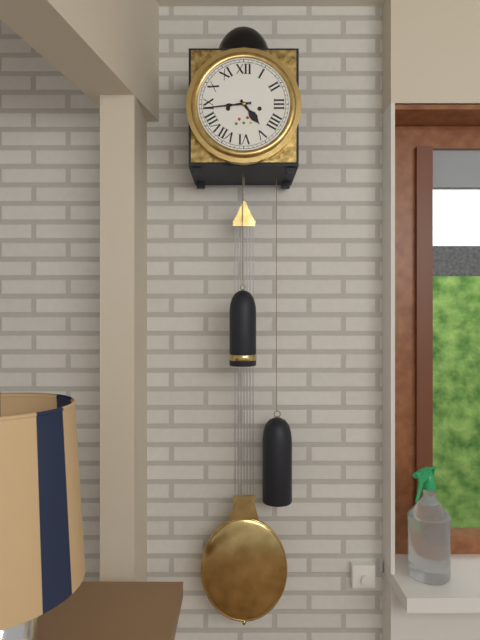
4,44
